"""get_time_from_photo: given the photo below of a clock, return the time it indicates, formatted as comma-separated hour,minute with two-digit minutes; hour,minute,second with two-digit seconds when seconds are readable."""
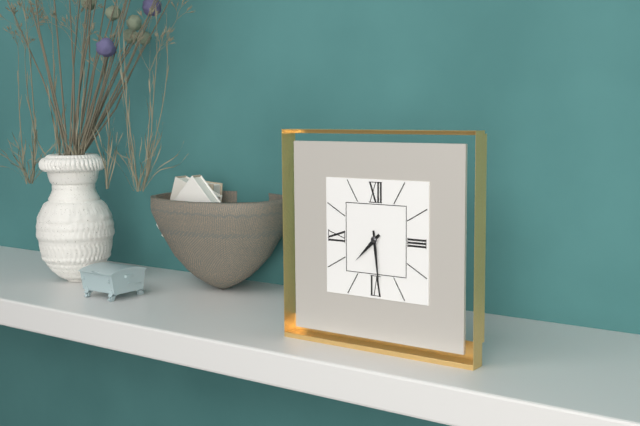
7,29
